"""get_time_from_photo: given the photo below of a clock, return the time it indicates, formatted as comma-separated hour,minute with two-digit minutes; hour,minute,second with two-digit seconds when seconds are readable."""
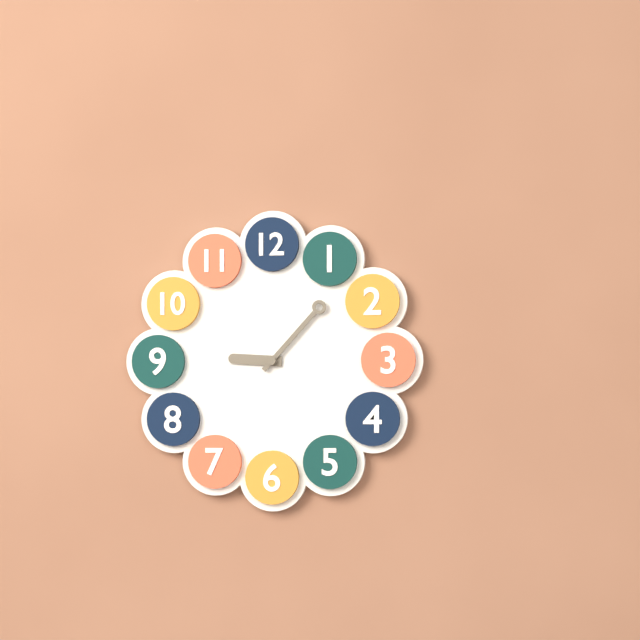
9,07
